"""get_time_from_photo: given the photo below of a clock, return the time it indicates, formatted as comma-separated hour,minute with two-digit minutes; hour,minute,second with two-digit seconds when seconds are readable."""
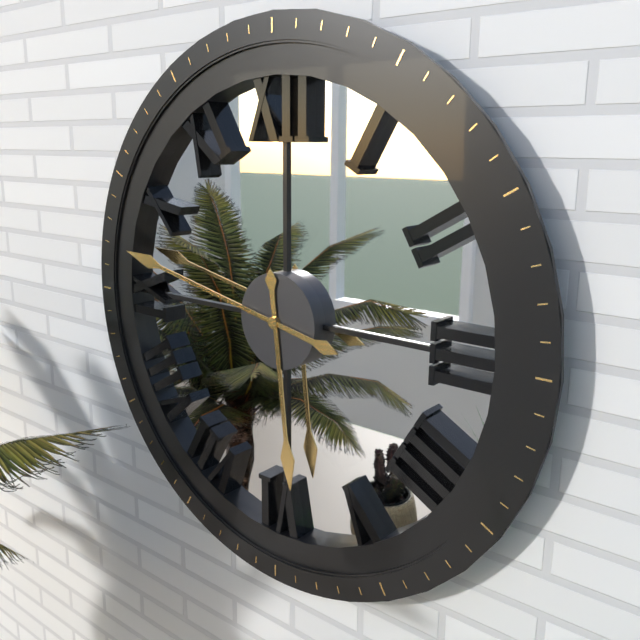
5,47
